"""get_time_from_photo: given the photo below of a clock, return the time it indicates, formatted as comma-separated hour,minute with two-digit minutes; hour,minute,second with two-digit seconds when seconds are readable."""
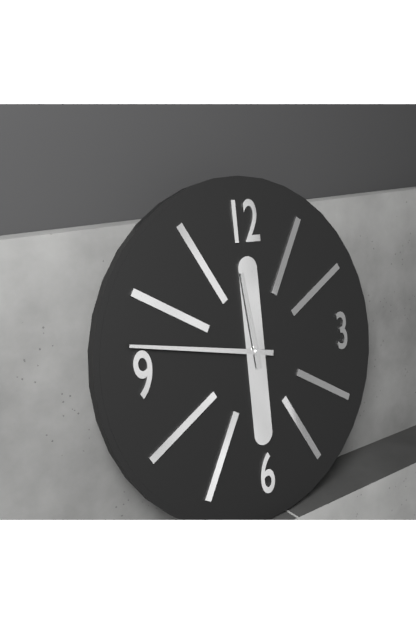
11,47
